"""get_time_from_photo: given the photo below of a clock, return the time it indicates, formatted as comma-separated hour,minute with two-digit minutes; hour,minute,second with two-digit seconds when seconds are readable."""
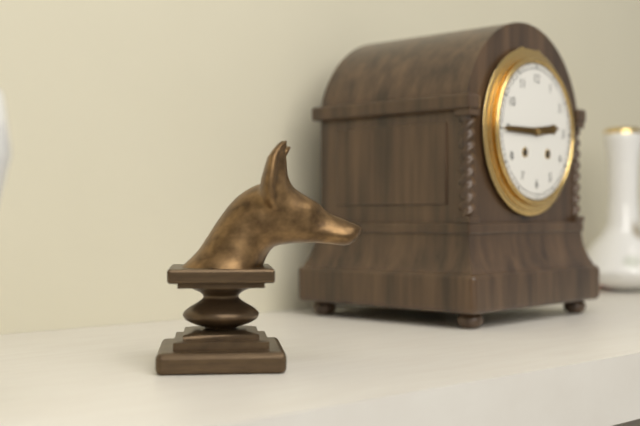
2,45
